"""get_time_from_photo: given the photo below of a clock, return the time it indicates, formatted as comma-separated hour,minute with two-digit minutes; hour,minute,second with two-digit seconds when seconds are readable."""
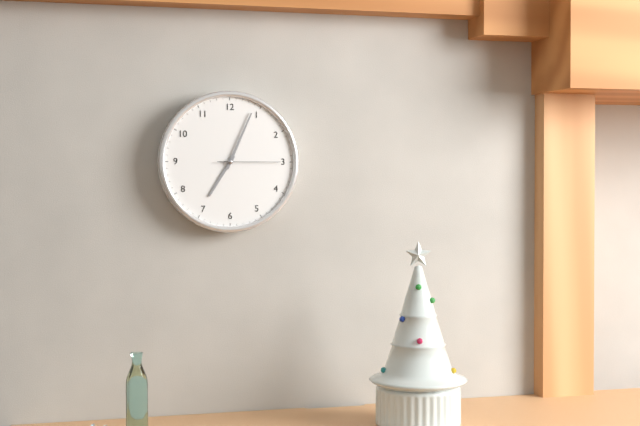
7,04,15
